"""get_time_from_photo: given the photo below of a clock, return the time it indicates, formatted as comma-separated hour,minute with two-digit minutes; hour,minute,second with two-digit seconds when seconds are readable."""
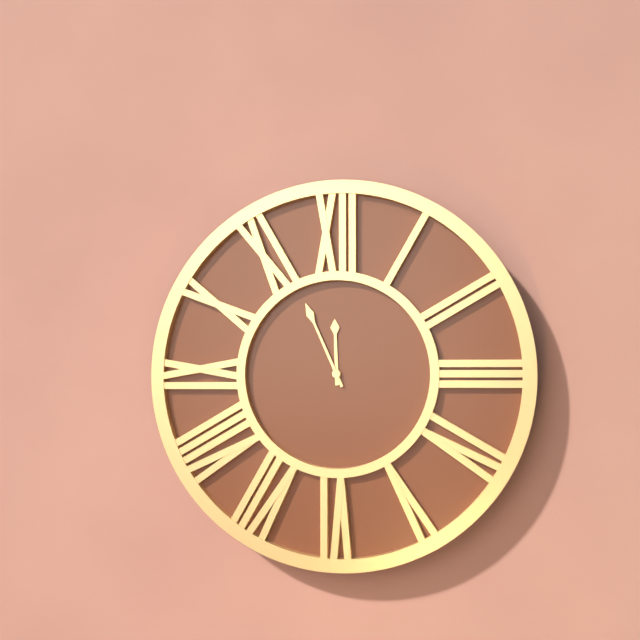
11,56
